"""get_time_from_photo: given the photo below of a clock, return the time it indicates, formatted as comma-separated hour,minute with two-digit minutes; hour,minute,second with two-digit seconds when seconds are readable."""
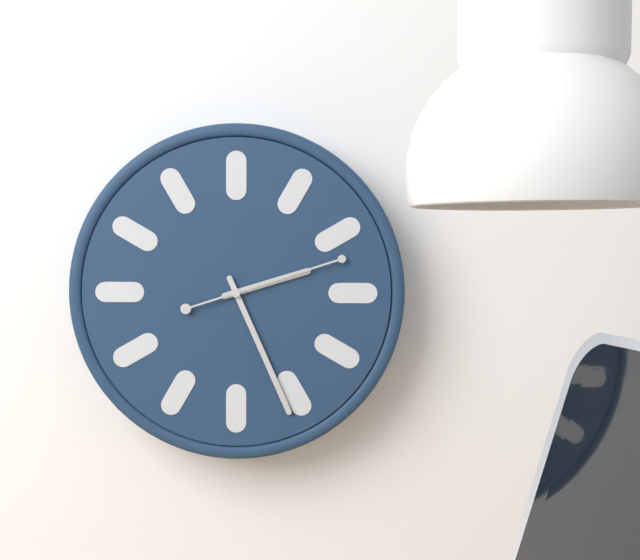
2,26,12
